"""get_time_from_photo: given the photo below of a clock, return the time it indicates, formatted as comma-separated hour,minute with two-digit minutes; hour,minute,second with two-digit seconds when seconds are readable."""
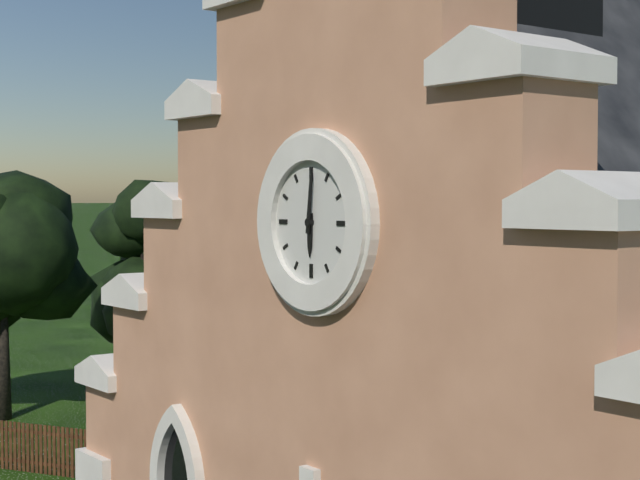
6,01
